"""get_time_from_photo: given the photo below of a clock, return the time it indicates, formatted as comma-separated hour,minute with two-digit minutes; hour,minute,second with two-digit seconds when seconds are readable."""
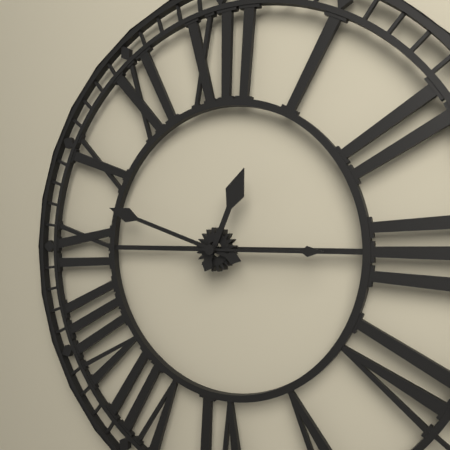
12,48,15
